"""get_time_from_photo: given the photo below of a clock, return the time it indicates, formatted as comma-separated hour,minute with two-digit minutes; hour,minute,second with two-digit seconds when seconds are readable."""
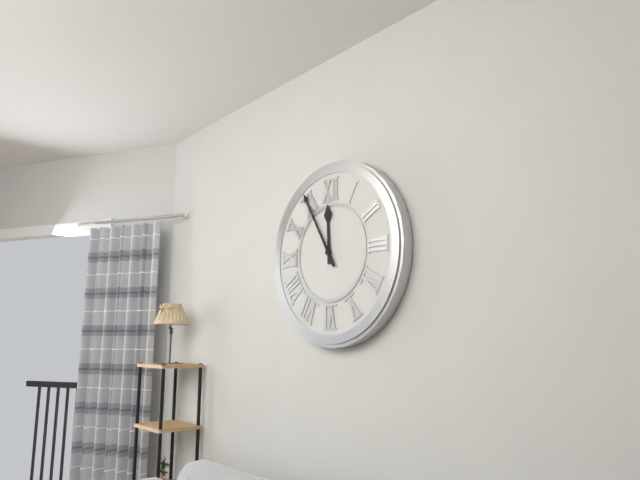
11,55
